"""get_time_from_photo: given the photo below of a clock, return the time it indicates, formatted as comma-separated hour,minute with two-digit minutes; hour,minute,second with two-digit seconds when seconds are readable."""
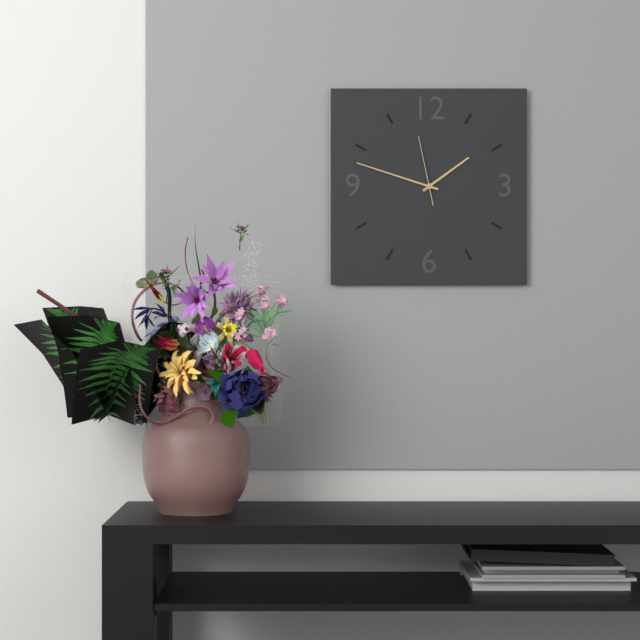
1,48,58
